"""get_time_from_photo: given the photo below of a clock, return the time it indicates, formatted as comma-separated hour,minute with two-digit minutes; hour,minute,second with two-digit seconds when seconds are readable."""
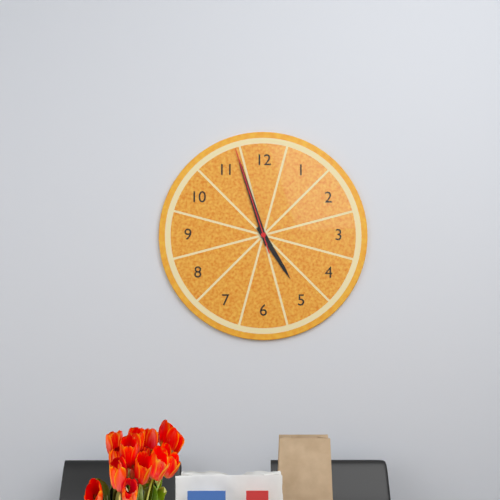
4,57,57
